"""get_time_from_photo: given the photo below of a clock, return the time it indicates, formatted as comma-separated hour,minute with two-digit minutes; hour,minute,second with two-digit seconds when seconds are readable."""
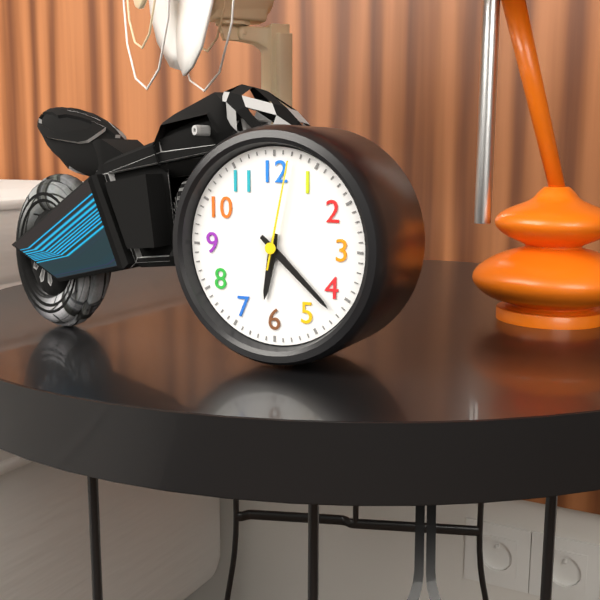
6,22,02
